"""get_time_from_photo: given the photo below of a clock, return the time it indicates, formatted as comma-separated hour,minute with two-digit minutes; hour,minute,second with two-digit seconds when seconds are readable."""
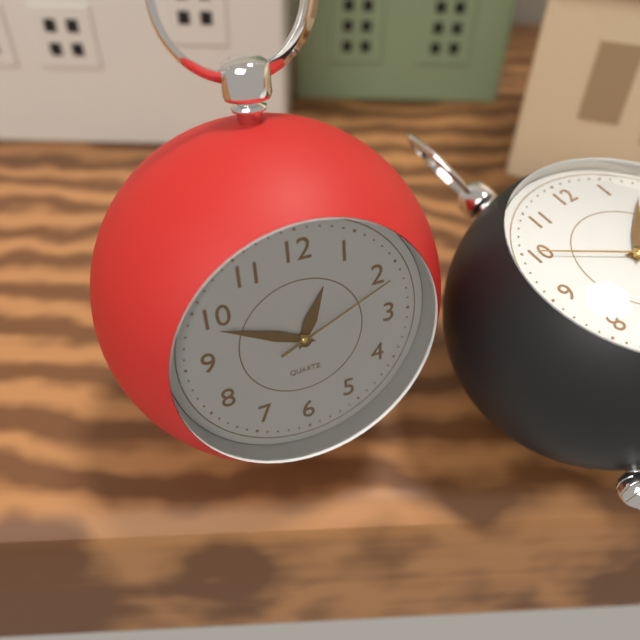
12,49,11
